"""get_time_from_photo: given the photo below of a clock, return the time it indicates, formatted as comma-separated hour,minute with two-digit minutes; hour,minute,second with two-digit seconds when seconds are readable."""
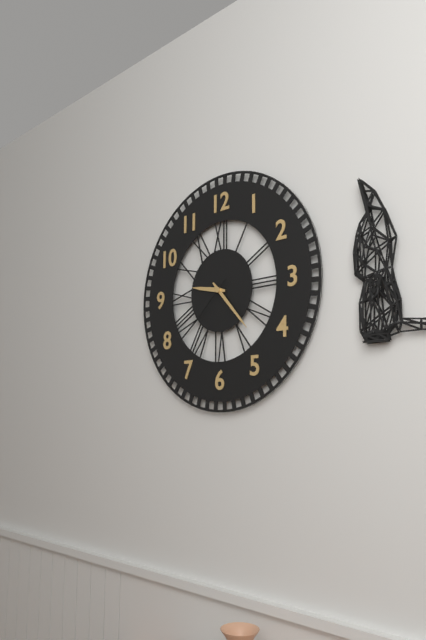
9,23,38
